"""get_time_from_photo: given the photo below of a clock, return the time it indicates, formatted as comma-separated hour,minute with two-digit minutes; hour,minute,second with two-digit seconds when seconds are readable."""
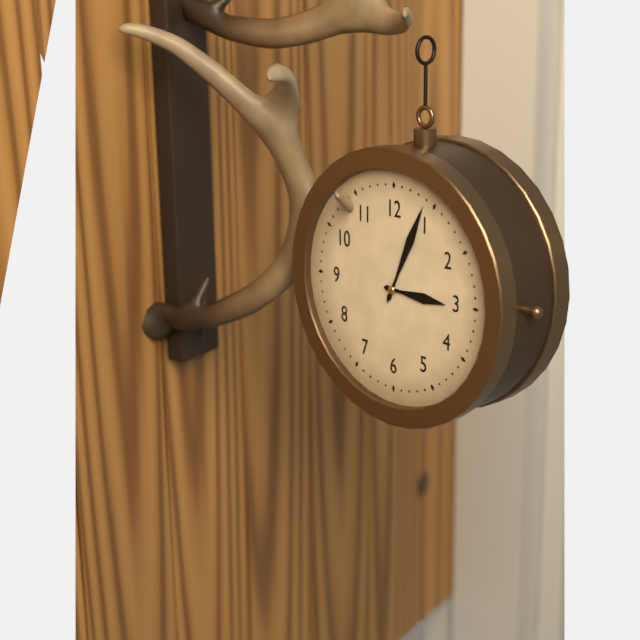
3,04
